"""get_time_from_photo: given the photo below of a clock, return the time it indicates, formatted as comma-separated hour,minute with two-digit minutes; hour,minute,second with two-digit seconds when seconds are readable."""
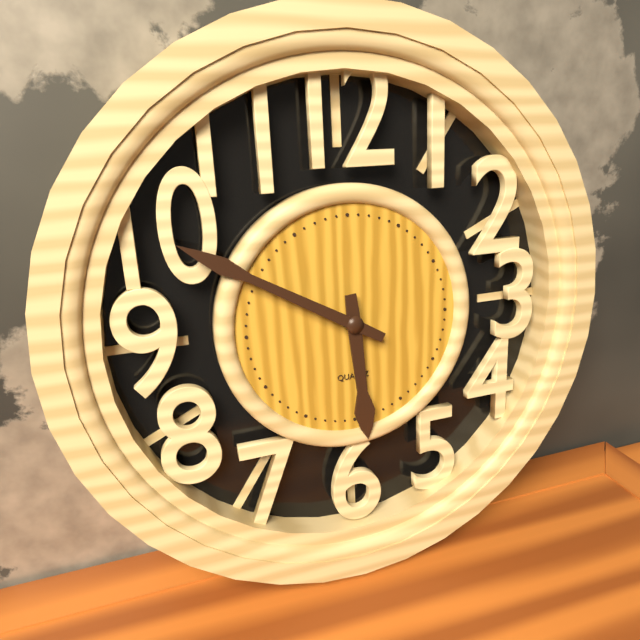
5,50
